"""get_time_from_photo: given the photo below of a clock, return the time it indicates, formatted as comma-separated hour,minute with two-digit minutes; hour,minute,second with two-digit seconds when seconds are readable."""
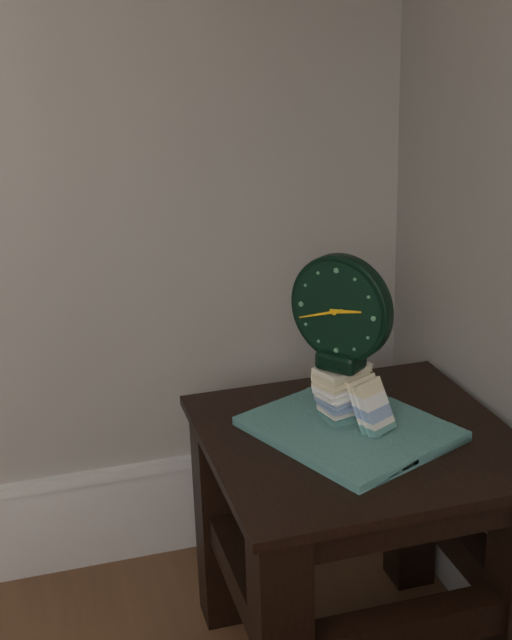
2,42
